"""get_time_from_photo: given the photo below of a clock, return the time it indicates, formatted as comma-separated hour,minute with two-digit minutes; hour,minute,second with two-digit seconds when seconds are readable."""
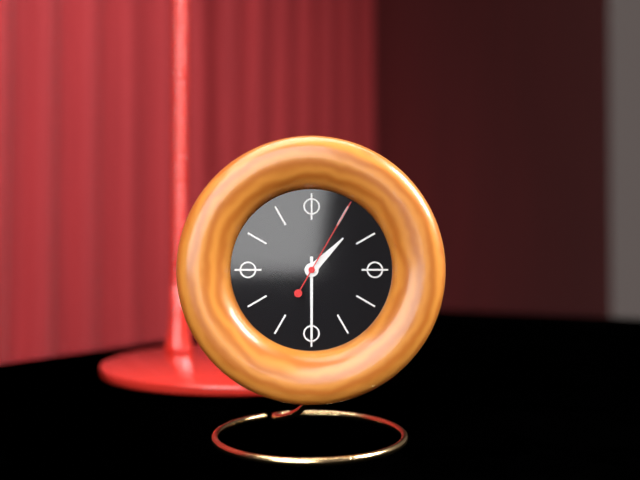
1,30,05
